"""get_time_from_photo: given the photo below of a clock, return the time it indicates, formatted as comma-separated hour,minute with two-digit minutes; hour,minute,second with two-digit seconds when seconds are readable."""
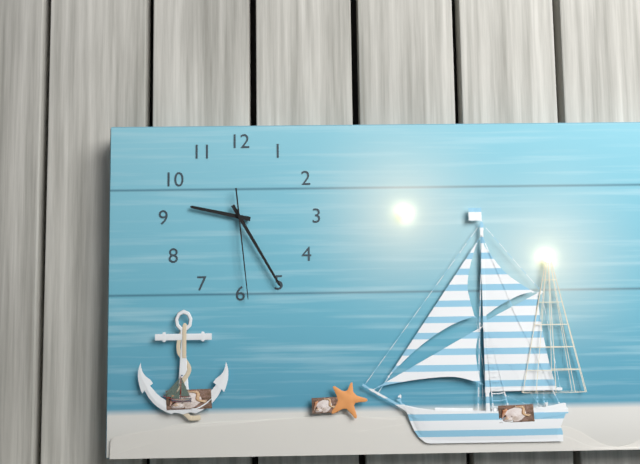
9,25,29
